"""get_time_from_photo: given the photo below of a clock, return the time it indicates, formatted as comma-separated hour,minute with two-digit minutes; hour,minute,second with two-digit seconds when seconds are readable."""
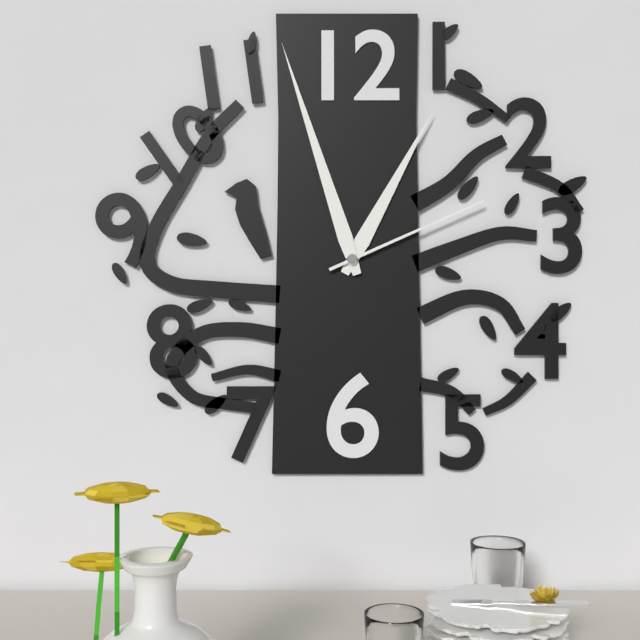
12,57,11
